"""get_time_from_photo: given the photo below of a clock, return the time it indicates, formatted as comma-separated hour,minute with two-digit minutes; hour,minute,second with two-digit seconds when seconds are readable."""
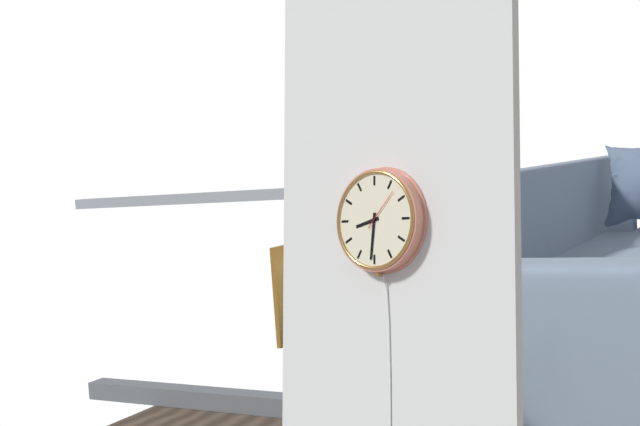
8,31
